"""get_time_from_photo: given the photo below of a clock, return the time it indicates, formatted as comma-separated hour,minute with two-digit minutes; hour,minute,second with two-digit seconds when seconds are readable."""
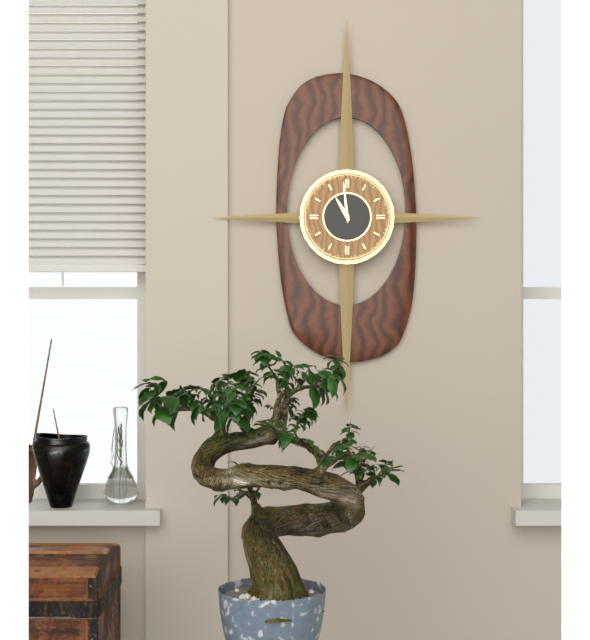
10,59
